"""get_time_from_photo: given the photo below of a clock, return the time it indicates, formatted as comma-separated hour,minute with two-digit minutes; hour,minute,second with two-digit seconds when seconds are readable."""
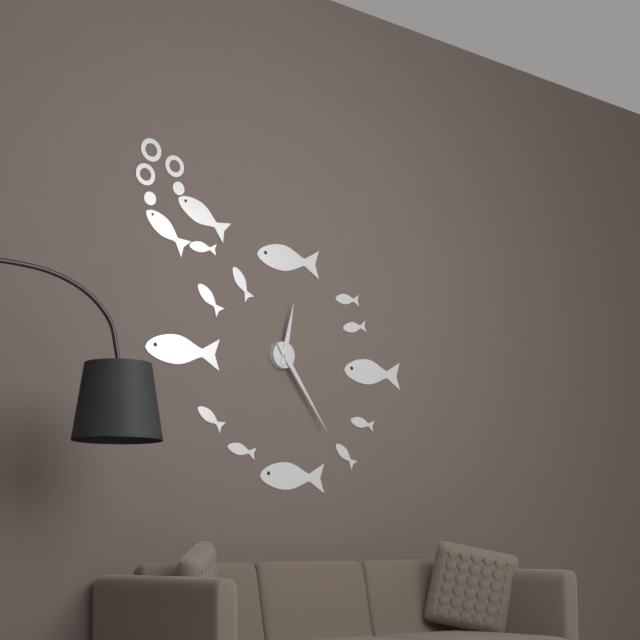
12,24
